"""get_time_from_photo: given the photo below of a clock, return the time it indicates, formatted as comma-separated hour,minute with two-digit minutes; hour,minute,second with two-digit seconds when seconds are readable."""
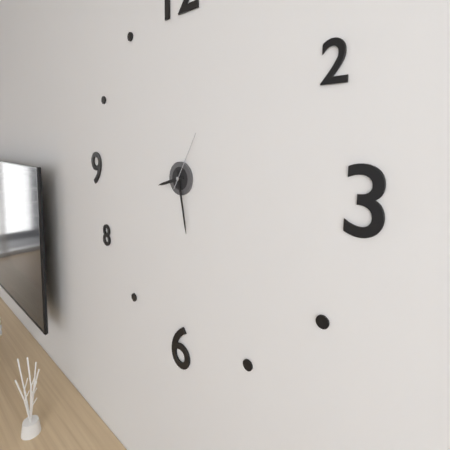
8,28,05
